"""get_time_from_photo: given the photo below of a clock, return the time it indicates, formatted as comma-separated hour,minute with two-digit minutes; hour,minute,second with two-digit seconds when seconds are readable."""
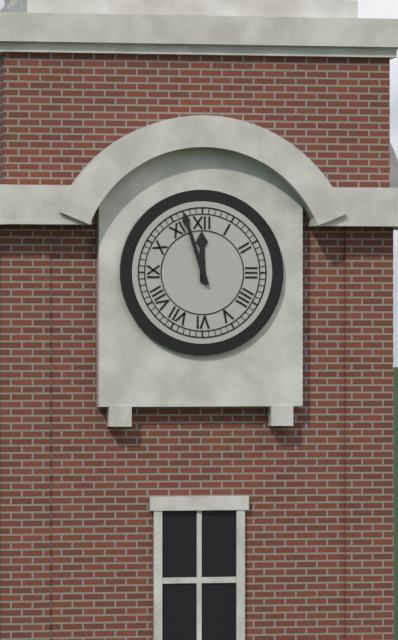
11,57
